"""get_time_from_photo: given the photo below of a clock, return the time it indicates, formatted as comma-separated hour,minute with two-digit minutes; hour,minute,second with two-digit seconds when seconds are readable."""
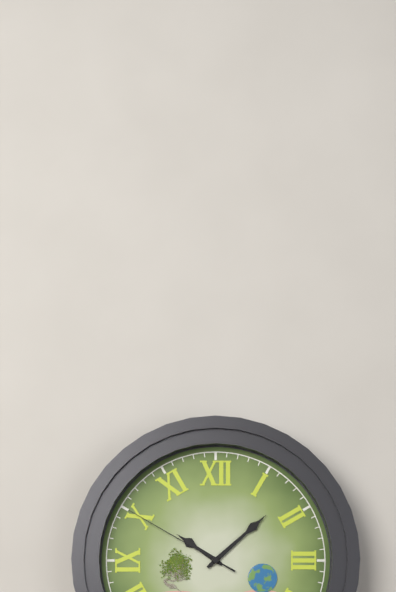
10,08,50
